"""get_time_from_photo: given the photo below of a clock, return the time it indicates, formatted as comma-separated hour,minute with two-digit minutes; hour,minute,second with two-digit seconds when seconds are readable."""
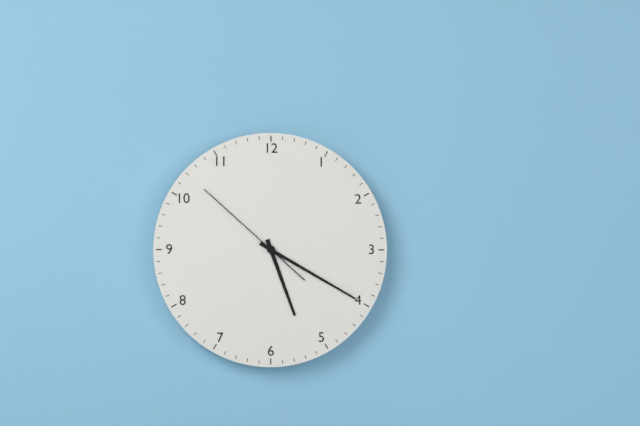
5,20,52
